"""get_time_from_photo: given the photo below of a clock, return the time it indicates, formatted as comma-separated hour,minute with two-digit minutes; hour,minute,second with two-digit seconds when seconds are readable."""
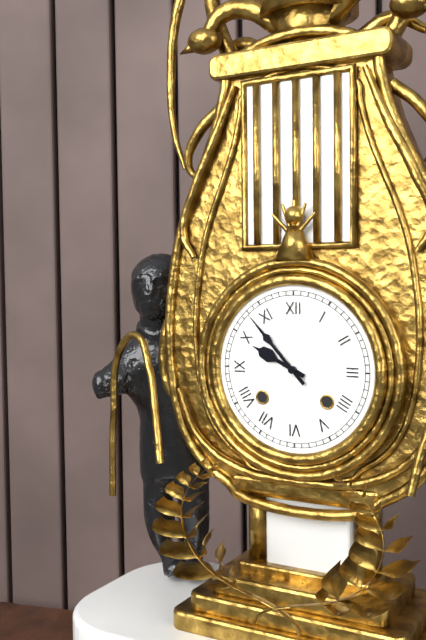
9,53
